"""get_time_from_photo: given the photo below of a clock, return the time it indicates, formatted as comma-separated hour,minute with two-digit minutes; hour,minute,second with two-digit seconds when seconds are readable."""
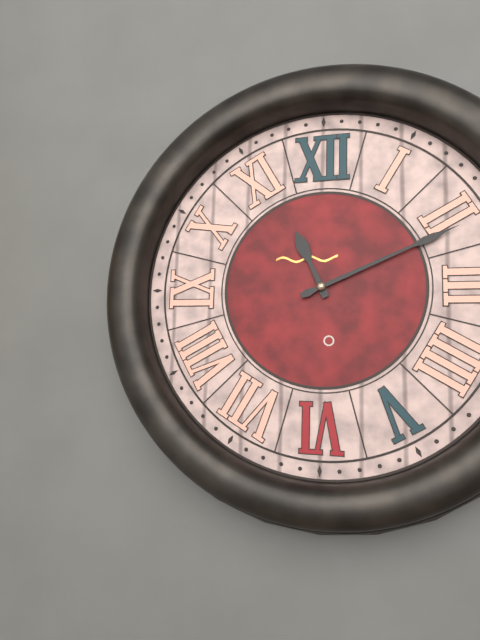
11,11
